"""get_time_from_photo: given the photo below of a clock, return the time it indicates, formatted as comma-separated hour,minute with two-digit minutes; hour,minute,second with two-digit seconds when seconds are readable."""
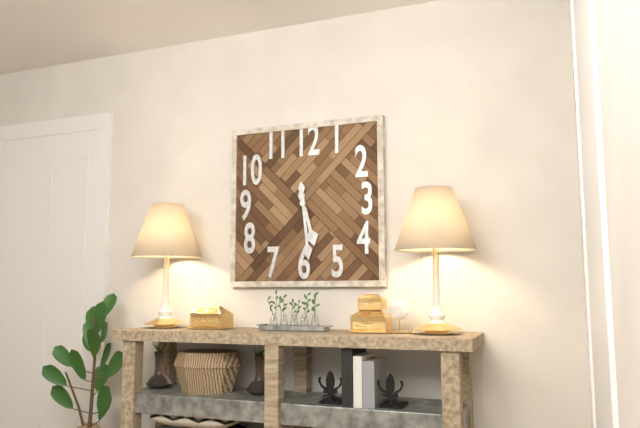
5,29
